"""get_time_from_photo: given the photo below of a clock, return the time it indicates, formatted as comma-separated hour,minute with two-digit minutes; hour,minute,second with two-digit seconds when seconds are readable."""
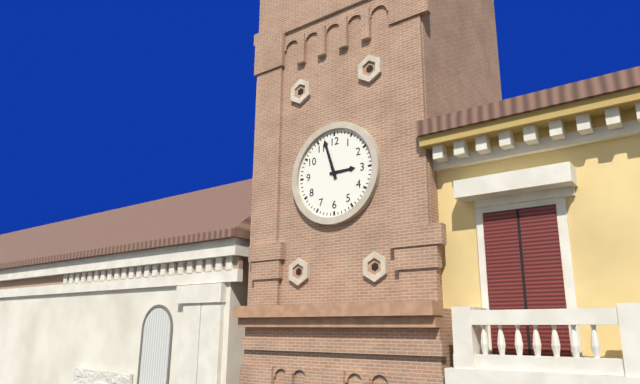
2,57
